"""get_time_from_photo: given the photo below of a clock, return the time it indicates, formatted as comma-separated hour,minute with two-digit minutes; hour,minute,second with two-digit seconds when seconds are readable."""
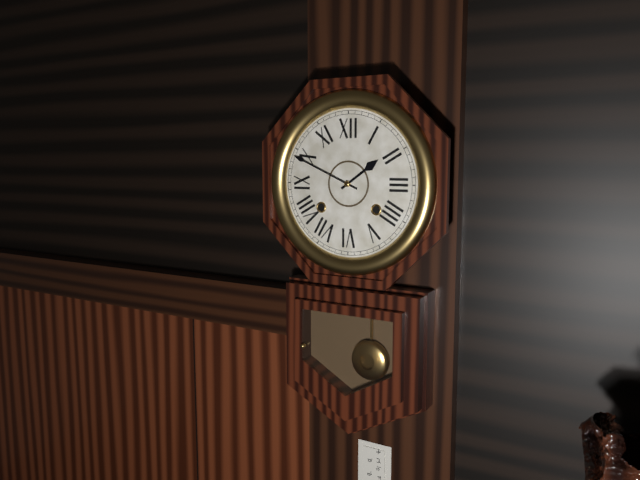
1,49
